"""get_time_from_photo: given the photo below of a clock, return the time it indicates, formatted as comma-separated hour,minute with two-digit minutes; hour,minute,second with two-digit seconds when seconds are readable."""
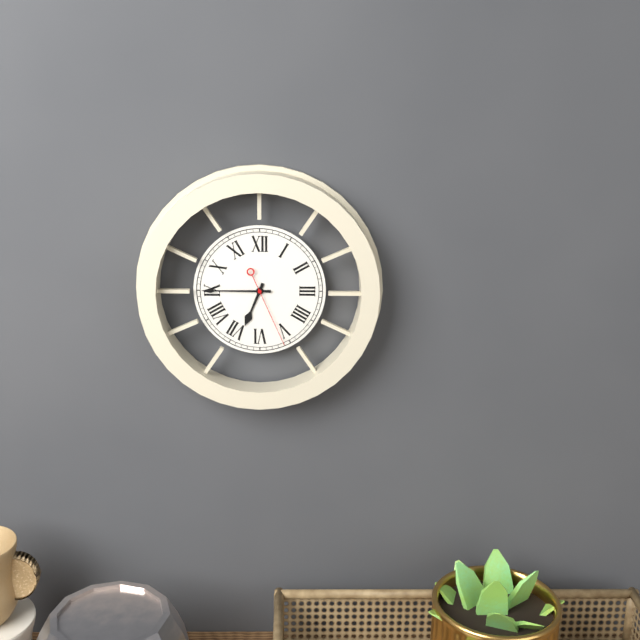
6,45,26
